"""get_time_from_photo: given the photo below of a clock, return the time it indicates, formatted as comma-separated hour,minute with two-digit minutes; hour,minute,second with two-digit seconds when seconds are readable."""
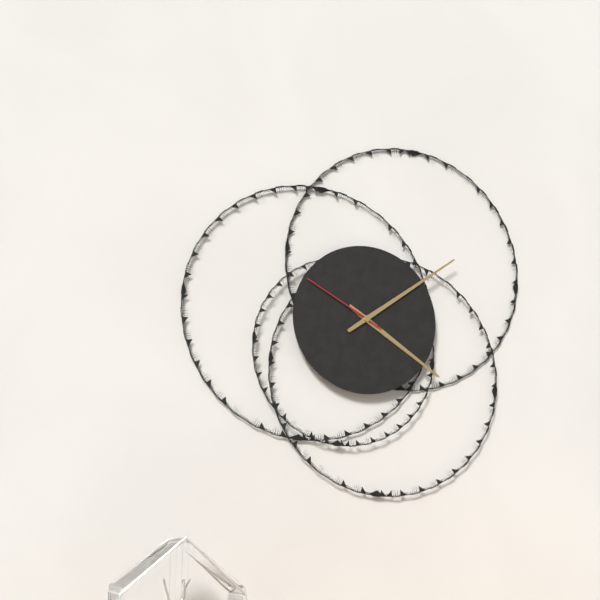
4,09,50
